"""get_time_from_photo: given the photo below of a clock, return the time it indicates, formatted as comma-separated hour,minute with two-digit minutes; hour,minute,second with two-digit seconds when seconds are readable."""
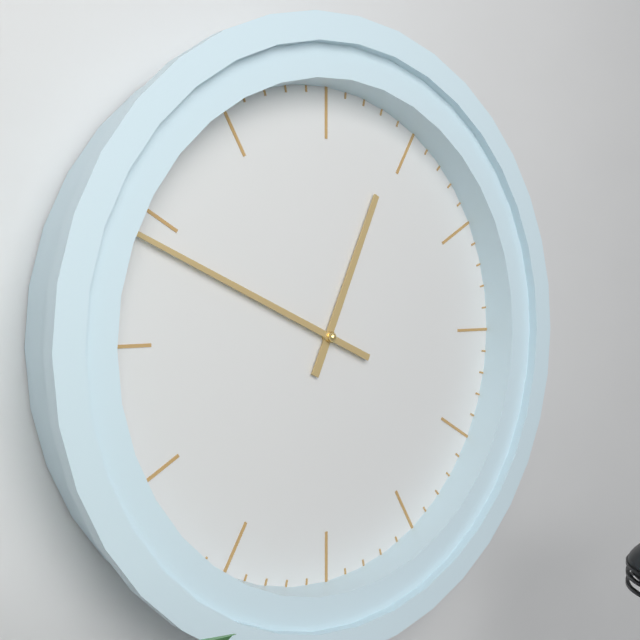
12,49
